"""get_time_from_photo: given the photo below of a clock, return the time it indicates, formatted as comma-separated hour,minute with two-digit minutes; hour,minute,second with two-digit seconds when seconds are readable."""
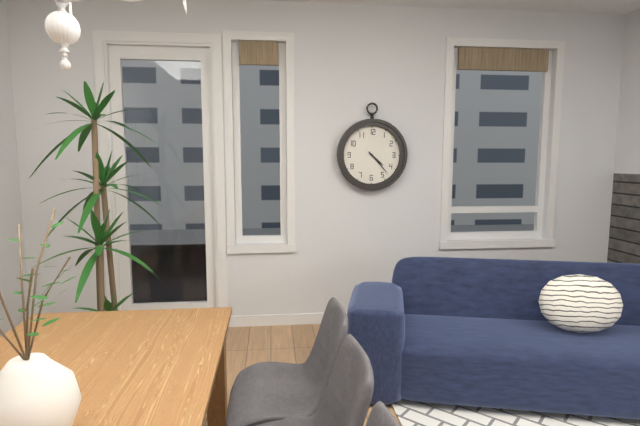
4,23
